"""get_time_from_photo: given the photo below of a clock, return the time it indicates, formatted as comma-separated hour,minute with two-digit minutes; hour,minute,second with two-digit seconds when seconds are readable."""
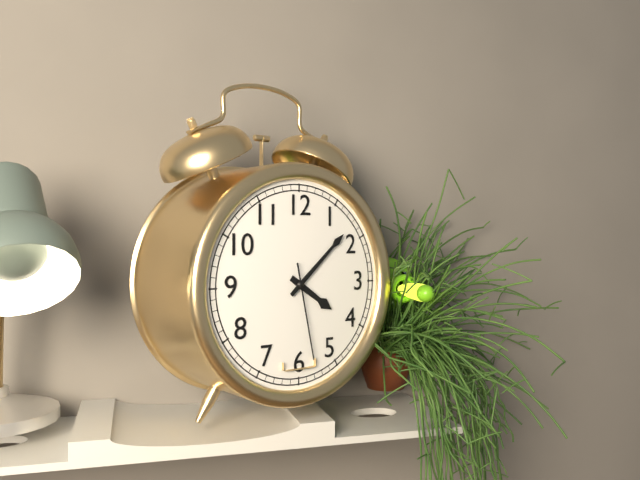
4,08,28
